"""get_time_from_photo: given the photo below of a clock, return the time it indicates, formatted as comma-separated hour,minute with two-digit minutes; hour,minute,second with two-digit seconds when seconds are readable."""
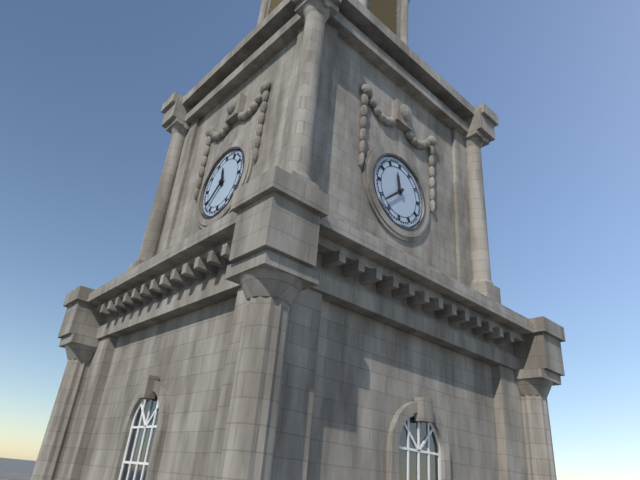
11,38
